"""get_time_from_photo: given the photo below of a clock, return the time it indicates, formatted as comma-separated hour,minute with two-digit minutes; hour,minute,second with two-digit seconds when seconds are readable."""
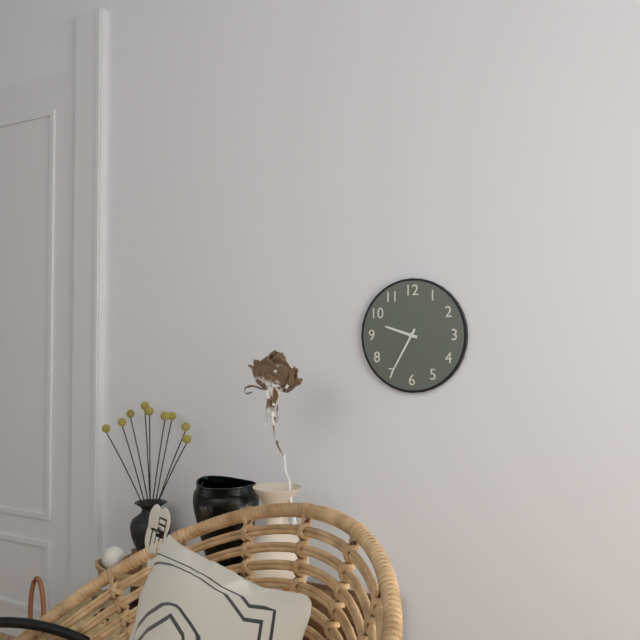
9,35
